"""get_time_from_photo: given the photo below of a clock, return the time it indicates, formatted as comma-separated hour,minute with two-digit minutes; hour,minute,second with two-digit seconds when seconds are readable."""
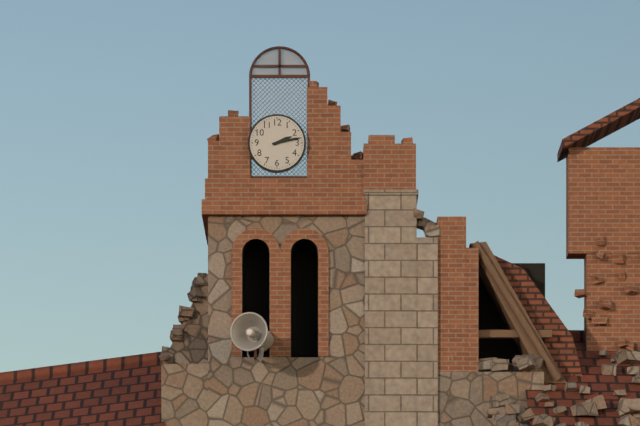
2,13
